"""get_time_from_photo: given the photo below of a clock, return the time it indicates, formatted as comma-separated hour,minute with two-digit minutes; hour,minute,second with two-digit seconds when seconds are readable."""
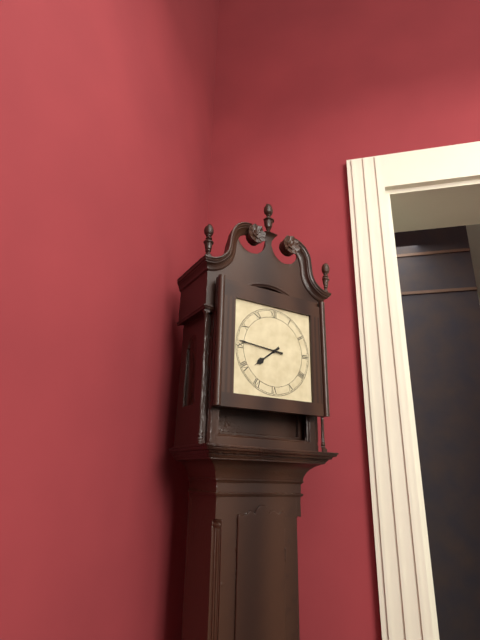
7,46
